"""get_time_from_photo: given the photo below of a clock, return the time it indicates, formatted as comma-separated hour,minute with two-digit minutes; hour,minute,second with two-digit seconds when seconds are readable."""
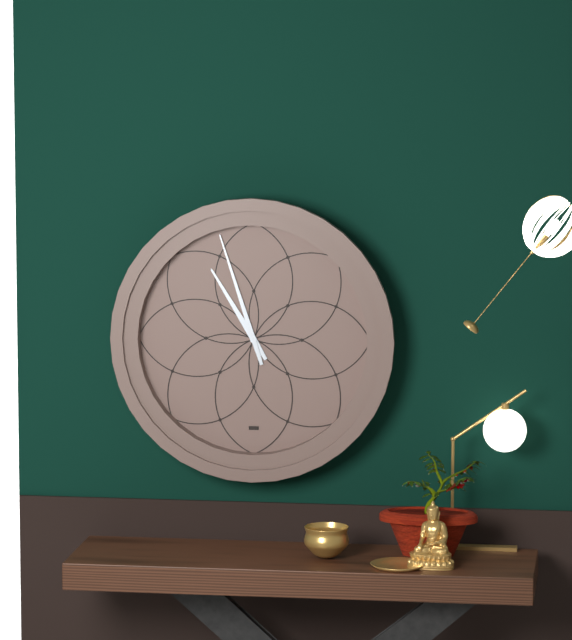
10,57
